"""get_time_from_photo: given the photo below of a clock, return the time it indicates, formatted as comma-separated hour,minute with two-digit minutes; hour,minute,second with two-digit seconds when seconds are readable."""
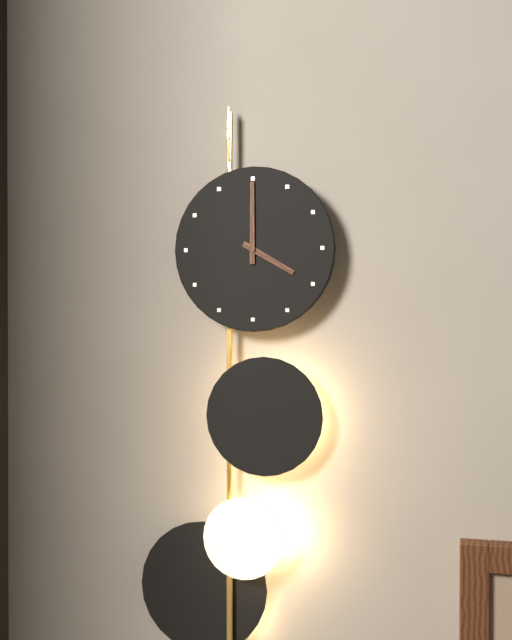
4,00
